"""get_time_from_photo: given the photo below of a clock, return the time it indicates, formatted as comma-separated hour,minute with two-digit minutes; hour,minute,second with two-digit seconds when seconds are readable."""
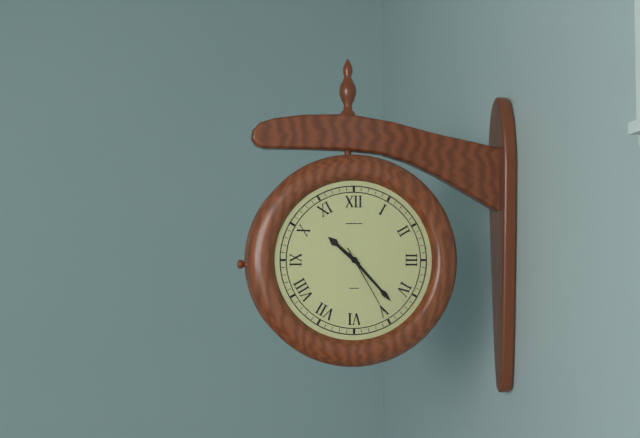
10,23,25
